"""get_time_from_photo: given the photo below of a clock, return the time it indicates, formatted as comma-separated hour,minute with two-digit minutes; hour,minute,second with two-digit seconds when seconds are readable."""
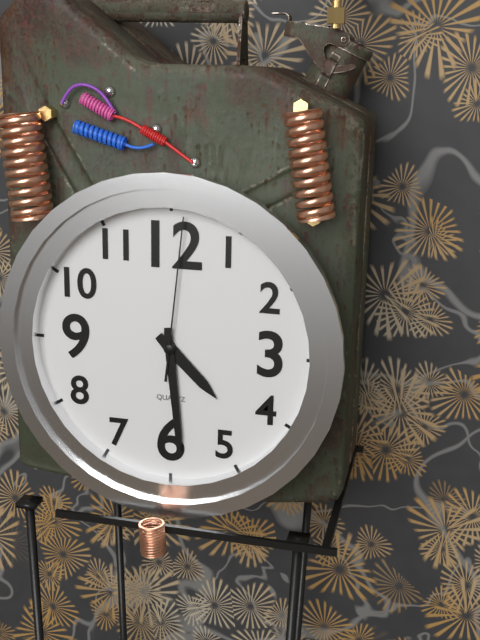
4,29,01
